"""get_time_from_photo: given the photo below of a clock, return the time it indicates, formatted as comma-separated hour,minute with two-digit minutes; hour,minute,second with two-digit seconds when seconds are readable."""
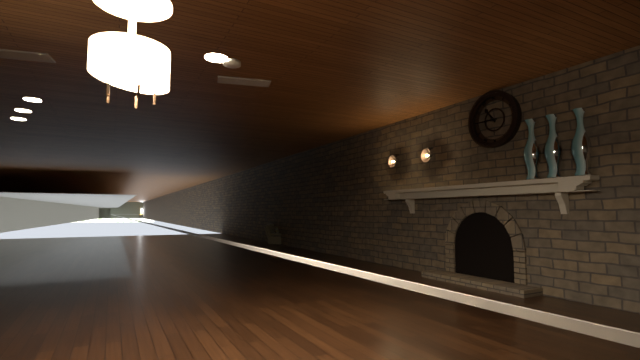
10,45
